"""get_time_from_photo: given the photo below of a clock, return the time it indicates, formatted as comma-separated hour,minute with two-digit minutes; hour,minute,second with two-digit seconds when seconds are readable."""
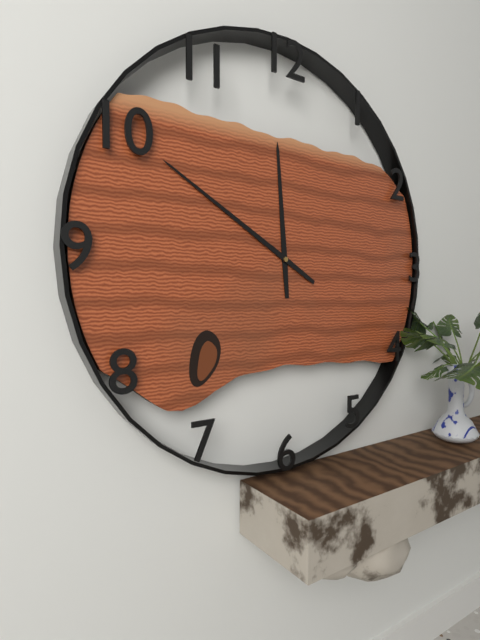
11,50
